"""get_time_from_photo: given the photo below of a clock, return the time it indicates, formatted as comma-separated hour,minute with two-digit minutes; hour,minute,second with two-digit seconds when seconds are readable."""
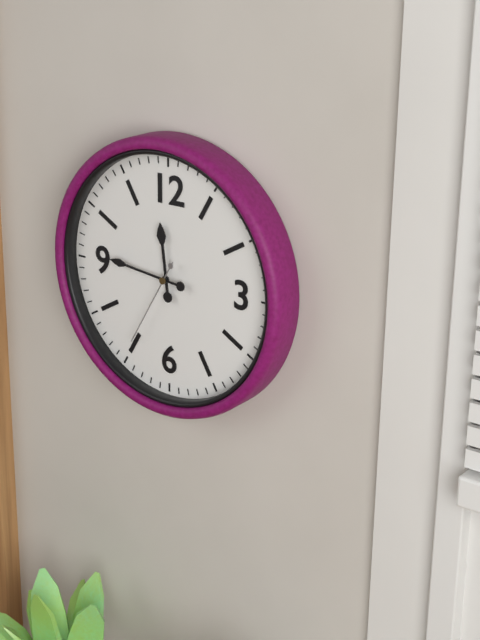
11,46,35
